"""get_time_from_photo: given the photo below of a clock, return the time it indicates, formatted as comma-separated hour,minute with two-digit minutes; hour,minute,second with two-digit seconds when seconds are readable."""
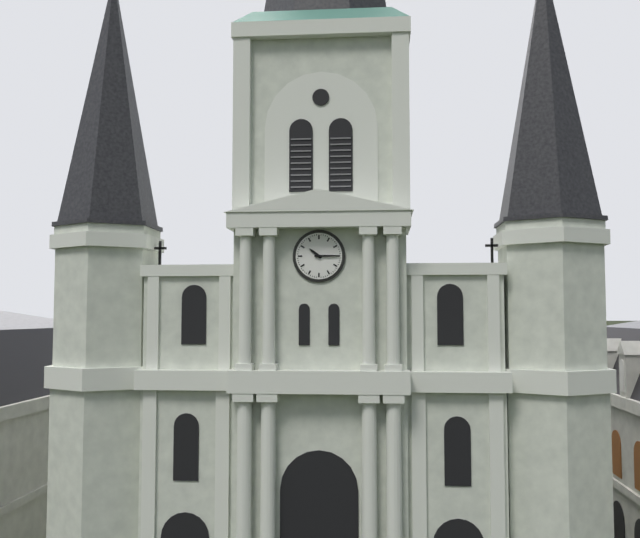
10,15
